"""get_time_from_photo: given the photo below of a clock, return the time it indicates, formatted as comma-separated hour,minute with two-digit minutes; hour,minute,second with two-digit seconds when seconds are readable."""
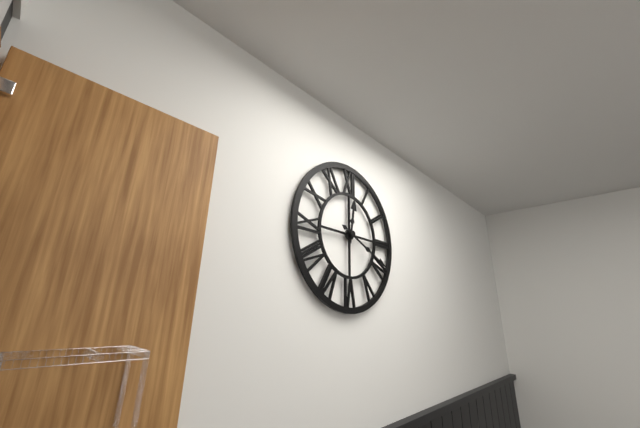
12,19
